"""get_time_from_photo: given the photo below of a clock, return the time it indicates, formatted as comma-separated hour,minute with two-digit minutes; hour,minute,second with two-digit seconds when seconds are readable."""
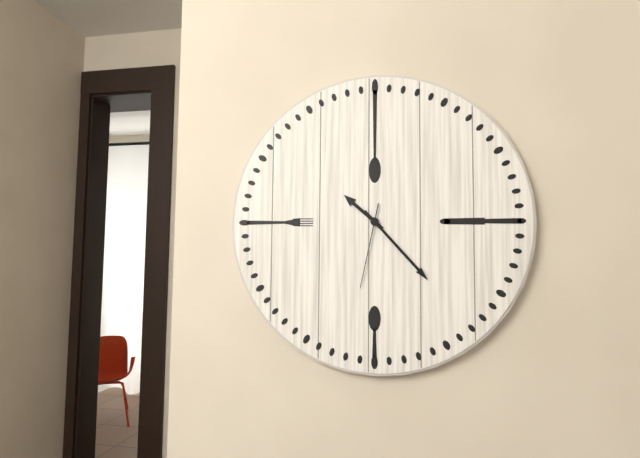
10,23,32
